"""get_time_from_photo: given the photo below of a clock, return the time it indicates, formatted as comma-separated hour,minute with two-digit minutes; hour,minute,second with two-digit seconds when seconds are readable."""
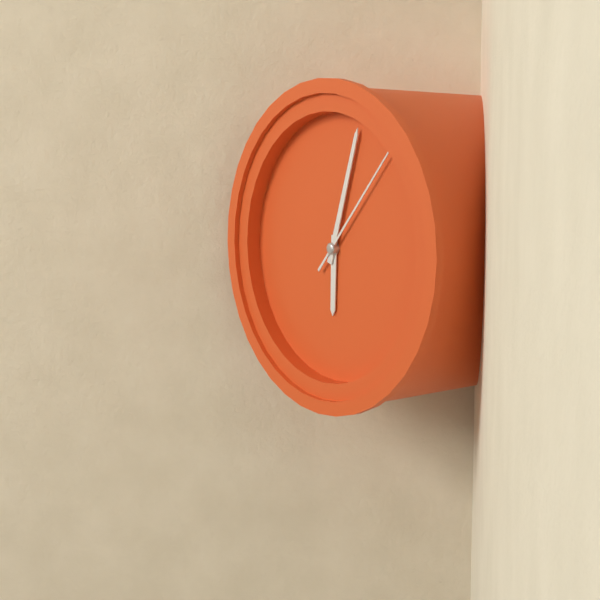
6,03,07
